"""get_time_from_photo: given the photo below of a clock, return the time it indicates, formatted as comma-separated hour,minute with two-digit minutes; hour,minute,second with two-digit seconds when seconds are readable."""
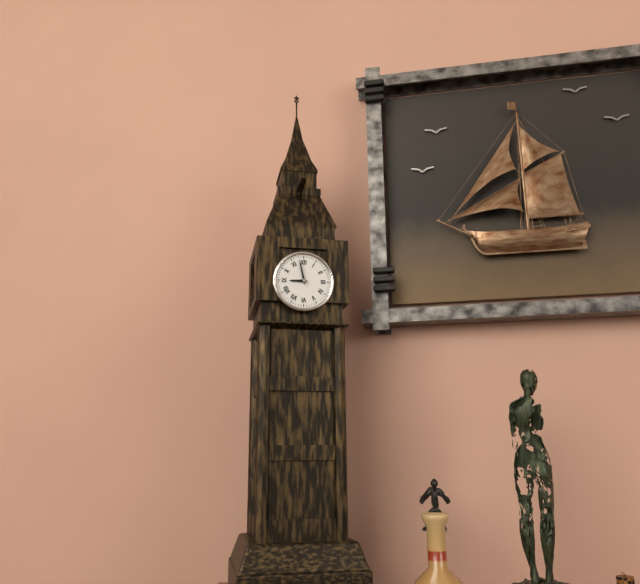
8,58
